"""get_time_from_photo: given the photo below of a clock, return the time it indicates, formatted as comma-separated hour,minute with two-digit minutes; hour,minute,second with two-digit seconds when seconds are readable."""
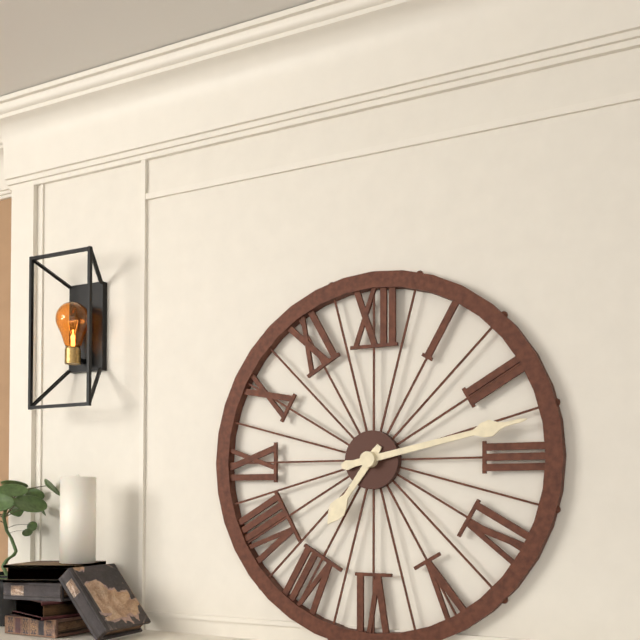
7,13
